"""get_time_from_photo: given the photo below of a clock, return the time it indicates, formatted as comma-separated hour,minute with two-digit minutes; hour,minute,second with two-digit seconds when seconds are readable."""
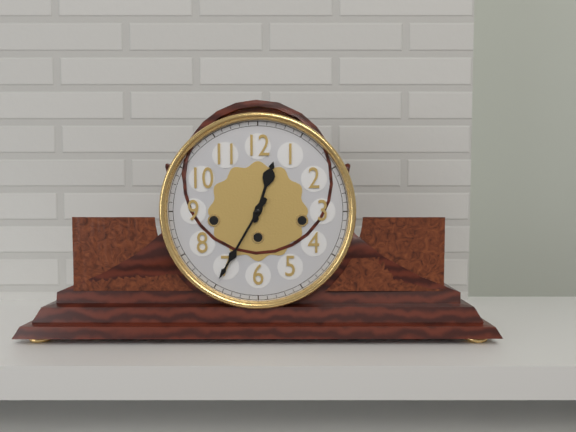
12,35
